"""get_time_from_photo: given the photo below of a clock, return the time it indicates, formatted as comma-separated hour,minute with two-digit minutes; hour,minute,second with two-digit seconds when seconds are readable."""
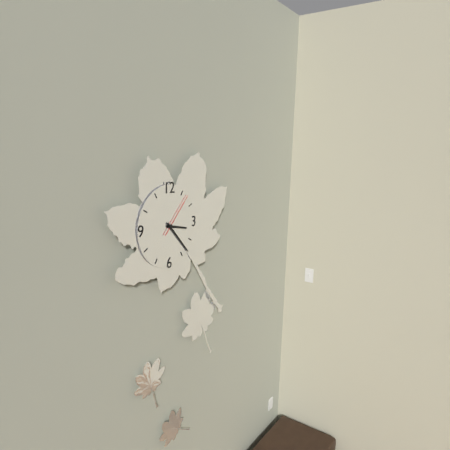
3,23
